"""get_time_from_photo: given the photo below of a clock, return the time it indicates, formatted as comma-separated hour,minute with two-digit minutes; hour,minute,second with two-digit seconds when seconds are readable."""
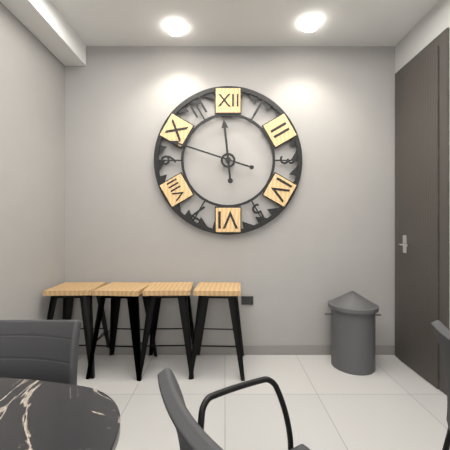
11,48
